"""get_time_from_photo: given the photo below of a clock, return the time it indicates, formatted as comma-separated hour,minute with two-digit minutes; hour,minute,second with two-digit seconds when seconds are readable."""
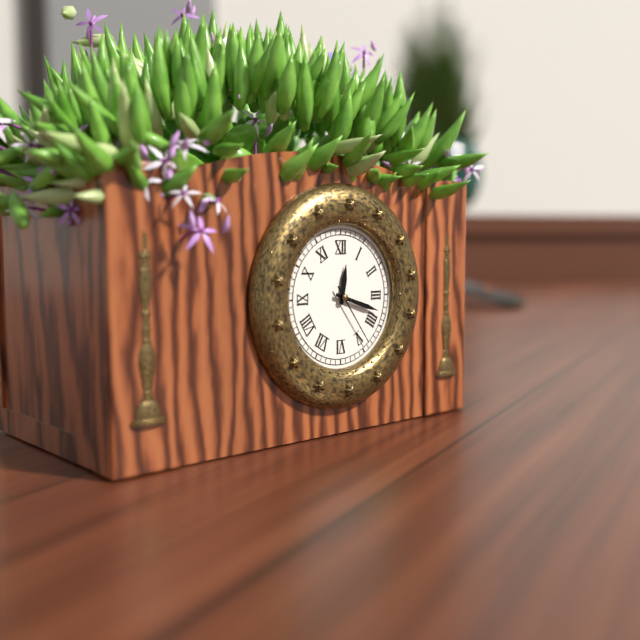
12,18,24
